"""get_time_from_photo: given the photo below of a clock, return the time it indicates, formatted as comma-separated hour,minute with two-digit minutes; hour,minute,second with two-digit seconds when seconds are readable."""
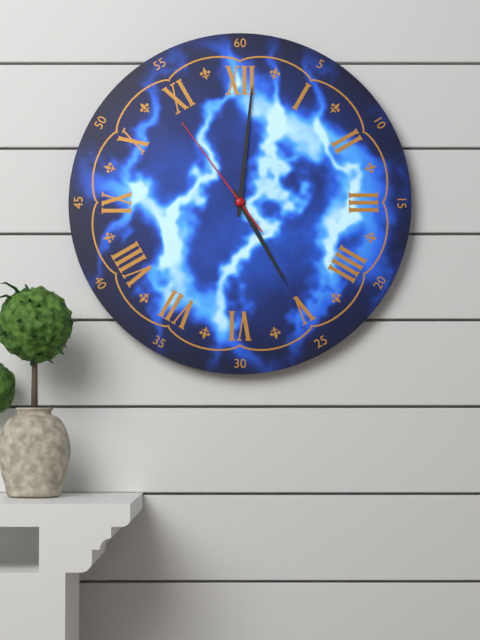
5,01,54
